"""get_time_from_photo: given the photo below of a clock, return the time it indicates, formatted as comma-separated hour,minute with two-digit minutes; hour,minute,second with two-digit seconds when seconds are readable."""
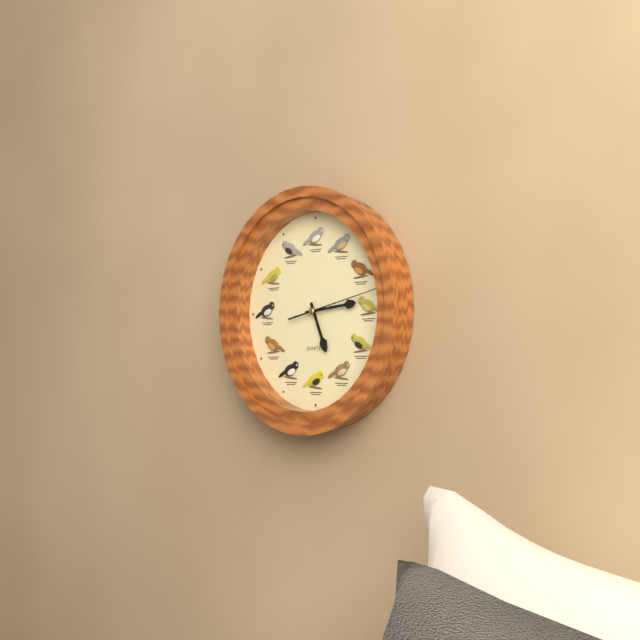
5,14,13
